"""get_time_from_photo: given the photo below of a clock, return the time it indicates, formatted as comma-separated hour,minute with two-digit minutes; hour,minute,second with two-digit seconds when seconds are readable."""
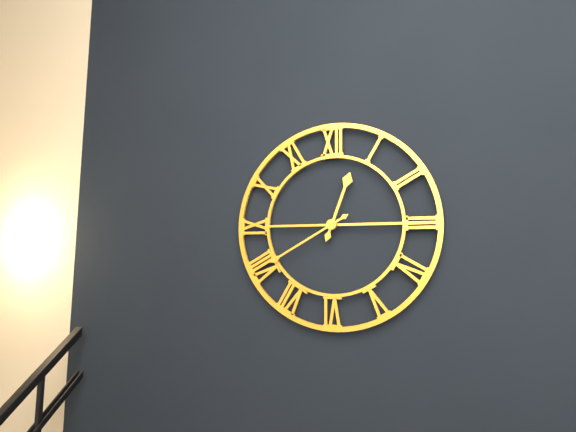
12,40
